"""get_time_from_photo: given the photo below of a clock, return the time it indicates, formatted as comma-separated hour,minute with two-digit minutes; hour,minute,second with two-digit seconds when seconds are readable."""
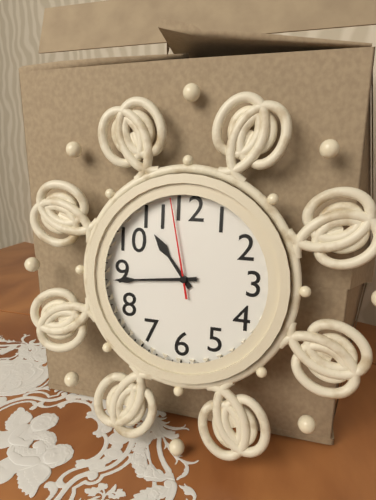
10,44,58
